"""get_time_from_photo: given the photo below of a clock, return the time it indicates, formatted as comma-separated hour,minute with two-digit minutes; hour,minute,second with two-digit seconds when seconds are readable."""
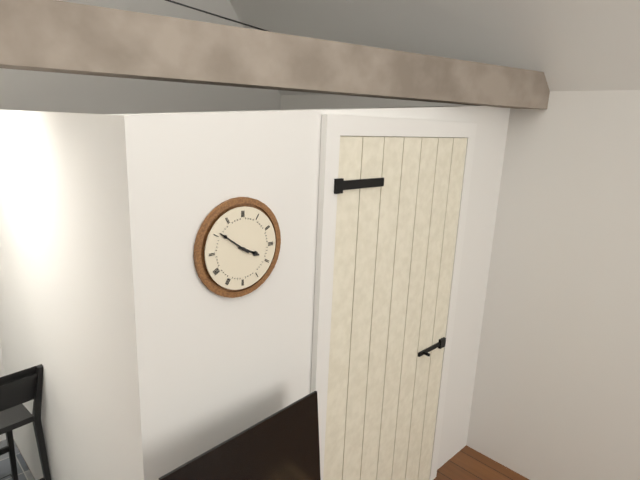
3,51
